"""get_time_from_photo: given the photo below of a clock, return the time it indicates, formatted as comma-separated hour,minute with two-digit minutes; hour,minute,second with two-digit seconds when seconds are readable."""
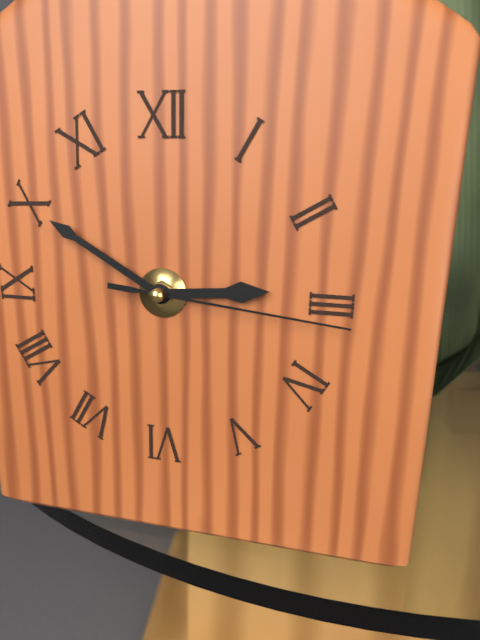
2,50,16
